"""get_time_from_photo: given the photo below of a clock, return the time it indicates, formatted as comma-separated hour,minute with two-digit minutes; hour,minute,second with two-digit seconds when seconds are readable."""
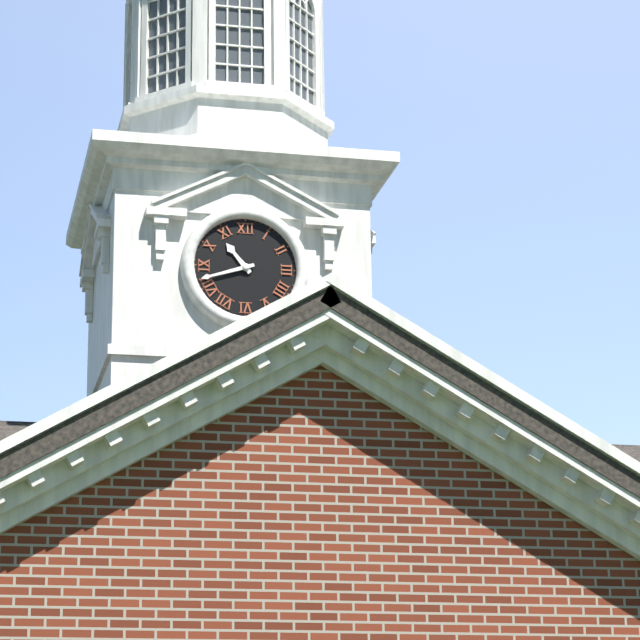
10,42
